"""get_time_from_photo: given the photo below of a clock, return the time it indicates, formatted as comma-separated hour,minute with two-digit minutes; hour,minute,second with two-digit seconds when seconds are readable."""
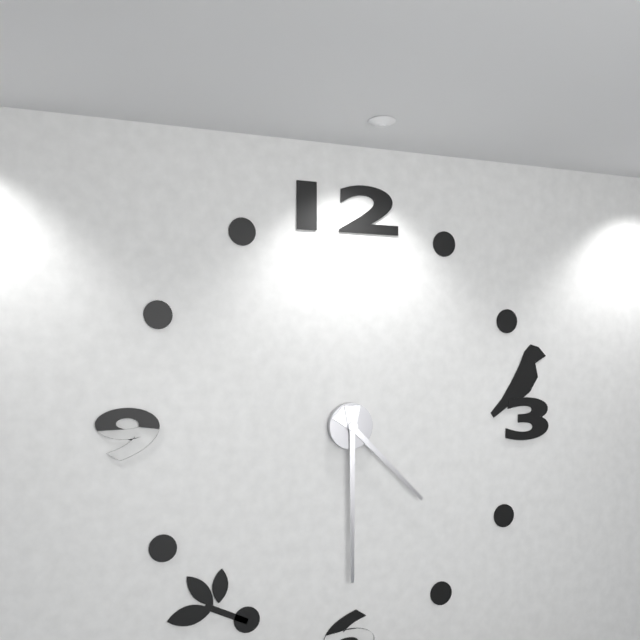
4,30
